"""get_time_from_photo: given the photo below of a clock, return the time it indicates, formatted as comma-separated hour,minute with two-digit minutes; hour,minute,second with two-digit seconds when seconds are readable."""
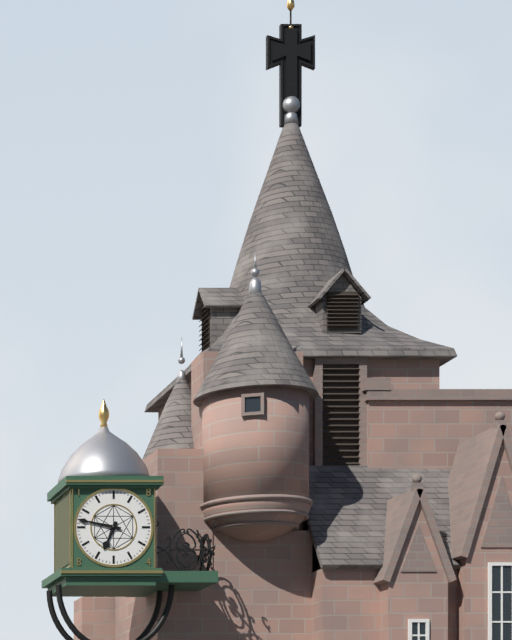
6,47
